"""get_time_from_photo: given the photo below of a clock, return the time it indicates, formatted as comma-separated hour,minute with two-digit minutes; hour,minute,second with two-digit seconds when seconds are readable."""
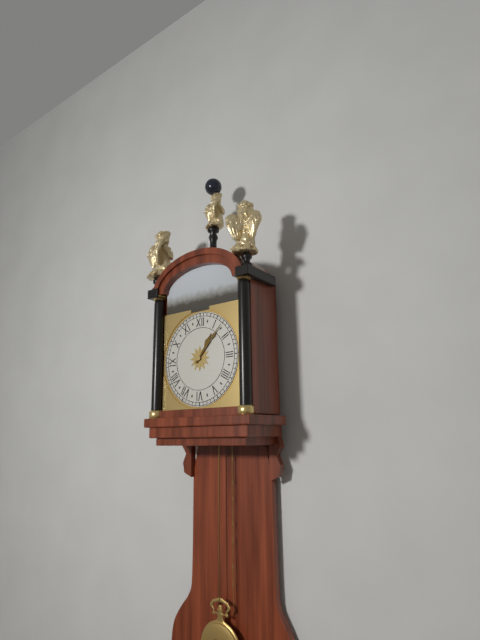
1,07
